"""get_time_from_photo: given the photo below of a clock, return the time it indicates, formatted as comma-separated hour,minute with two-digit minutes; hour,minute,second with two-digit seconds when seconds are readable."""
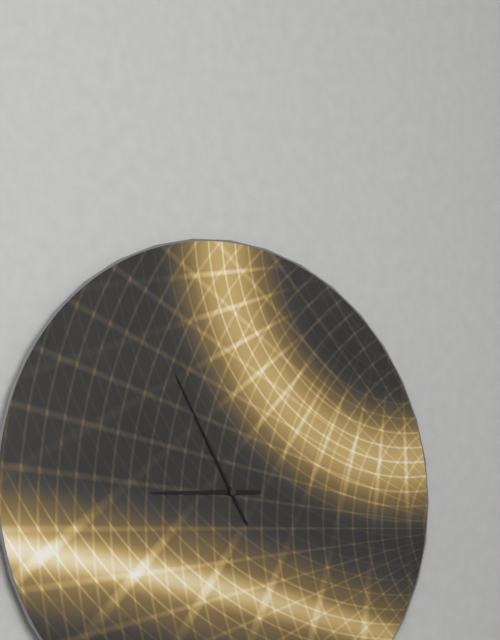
8,55
